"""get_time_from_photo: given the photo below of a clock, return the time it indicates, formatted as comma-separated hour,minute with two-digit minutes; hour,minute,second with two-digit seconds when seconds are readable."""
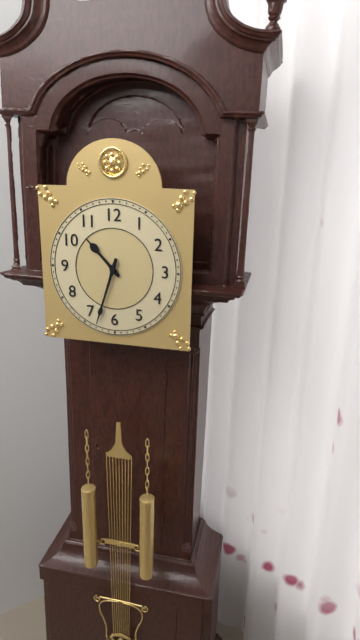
10,33
